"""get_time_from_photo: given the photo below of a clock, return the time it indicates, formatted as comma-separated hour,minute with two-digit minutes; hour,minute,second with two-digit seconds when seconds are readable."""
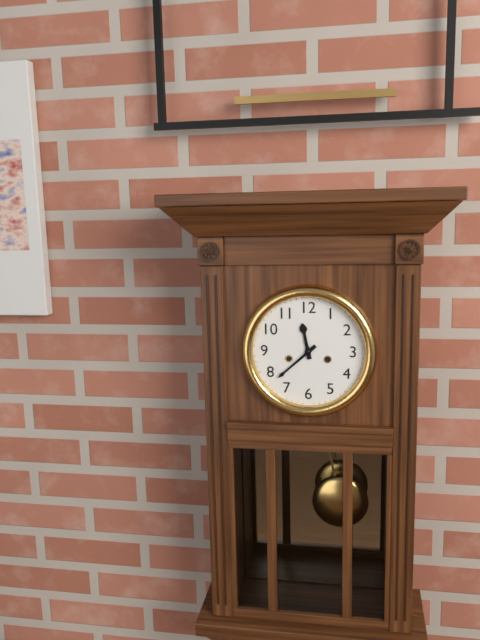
11,38
